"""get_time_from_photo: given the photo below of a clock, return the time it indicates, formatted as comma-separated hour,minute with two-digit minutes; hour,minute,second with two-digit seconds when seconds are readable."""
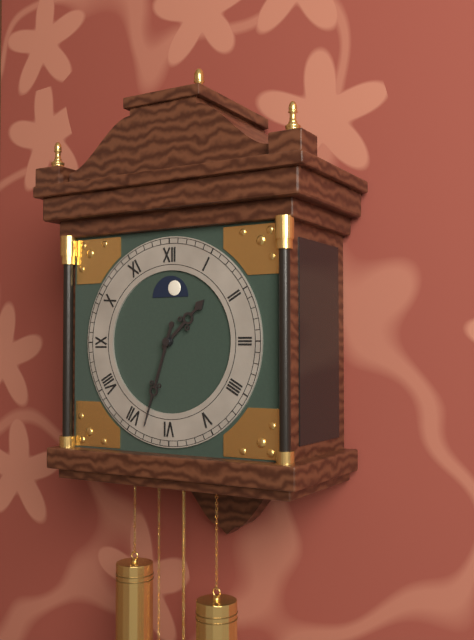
1,33
